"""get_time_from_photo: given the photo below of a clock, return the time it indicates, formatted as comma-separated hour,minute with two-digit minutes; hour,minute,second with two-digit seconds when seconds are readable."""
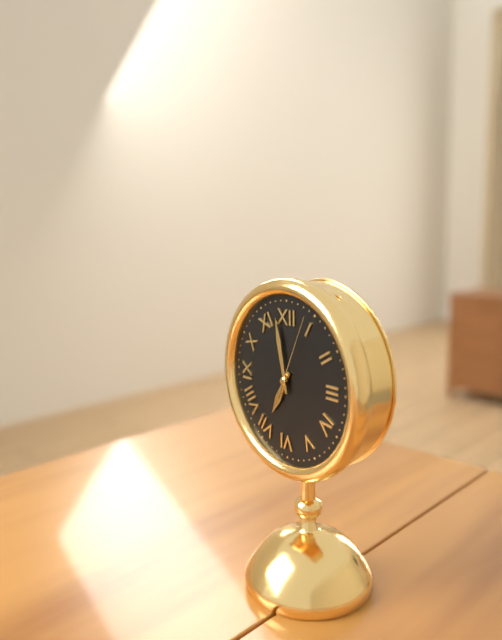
6,58,04
